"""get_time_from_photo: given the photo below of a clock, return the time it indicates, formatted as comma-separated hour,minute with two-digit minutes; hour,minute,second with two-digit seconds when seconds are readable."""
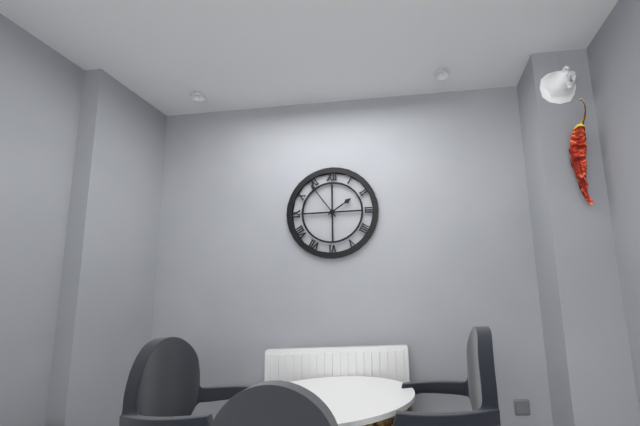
1,54
